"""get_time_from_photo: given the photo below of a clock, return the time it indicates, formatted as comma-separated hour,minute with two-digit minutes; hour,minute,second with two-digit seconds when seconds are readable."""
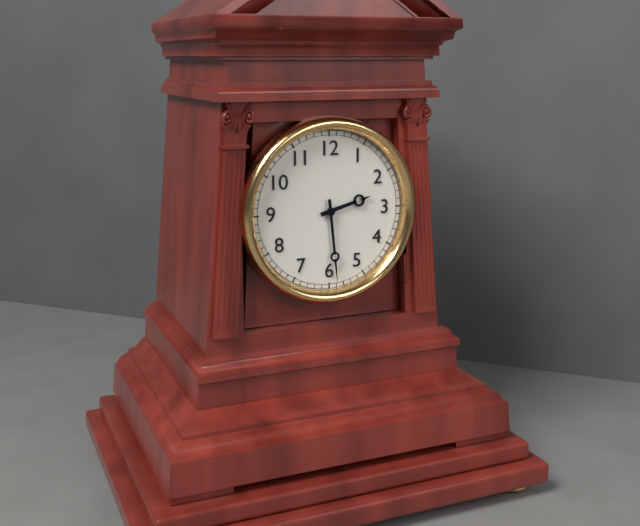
2,29
